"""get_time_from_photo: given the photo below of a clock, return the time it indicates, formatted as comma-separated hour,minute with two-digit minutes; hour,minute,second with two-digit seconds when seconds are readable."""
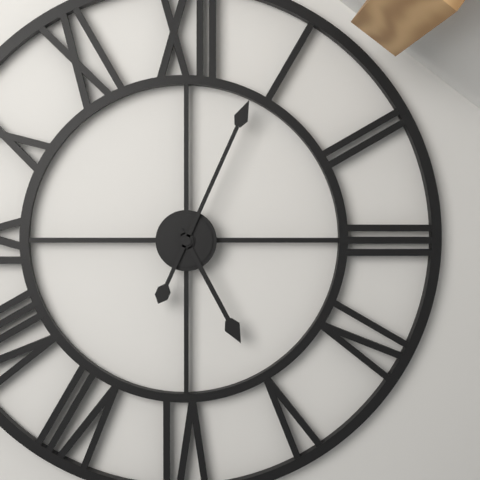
5,04
